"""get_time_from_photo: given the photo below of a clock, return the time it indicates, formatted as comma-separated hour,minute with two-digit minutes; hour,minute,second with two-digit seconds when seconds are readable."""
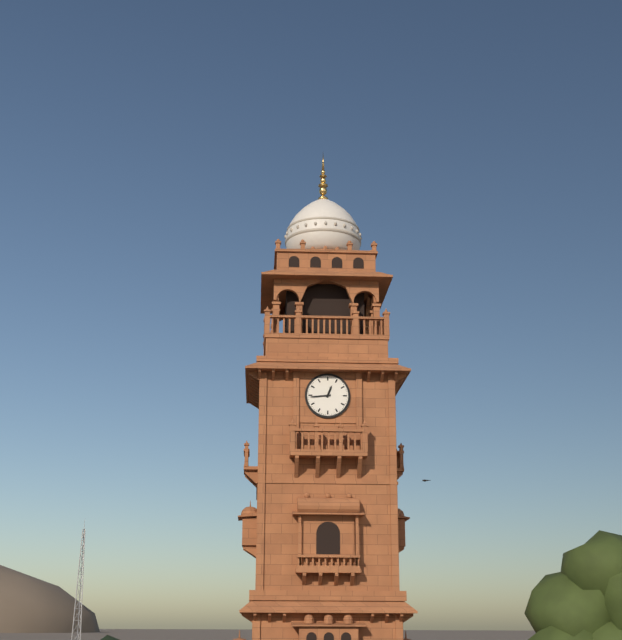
12,44
